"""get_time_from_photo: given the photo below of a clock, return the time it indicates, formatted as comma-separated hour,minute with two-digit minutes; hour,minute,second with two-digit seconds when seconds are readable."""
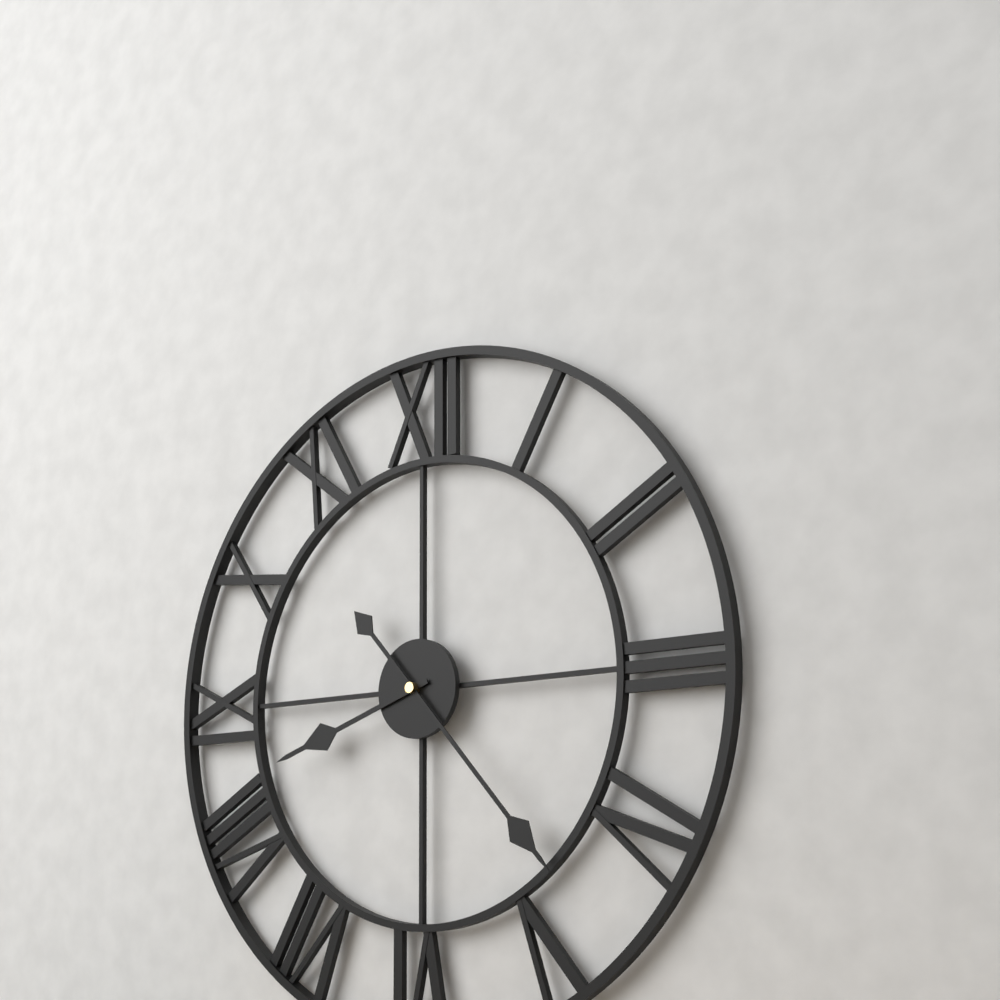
8,23
